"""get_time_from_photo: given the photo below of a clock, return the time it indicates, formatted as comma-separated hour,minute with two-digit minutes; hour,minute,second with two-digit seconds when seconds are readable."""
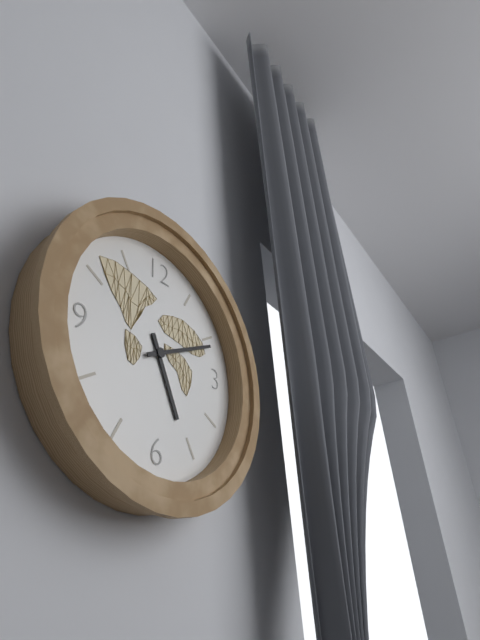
5,11
